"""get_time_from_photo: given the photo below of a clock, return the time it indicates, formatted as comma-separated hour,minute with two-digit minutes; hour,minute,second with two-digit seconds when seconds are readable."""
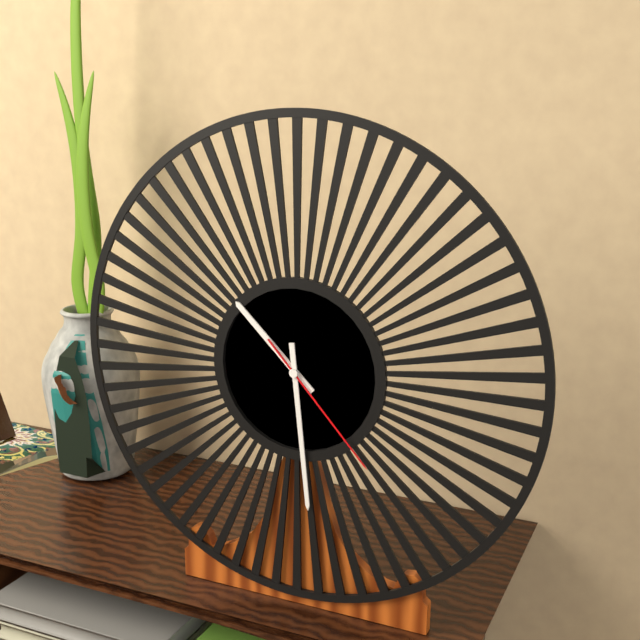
10,29,23
